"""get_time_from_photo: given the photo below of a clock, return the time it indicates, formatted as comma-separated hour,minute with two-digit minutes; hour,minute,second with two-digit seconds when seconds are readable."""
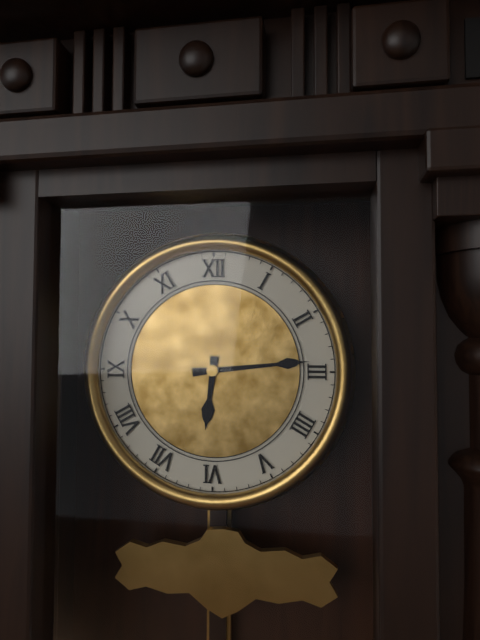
6,14
